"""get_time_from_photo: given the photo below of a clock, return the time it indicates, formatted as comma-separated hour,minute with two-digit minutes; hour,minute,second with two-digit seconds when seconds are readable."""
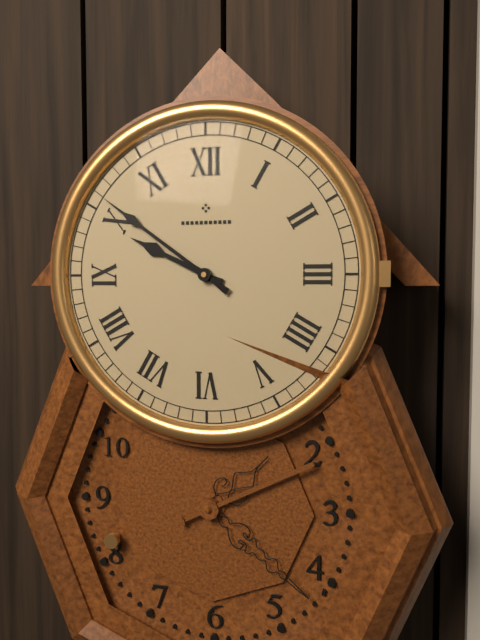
9,51
